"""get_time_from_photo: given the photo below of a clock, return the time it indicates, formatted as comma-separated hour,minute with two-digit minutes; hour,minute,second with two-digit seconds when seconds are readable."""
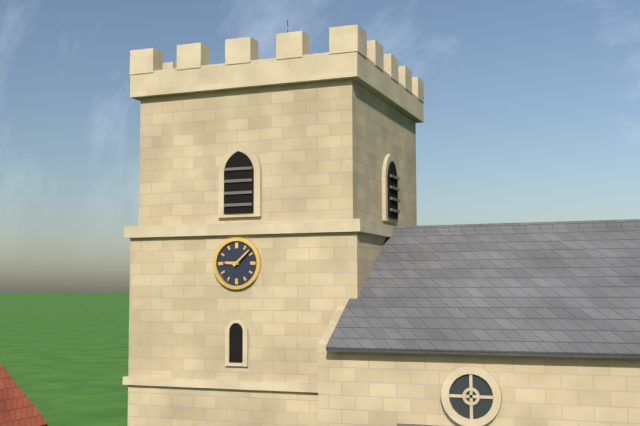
9,08
